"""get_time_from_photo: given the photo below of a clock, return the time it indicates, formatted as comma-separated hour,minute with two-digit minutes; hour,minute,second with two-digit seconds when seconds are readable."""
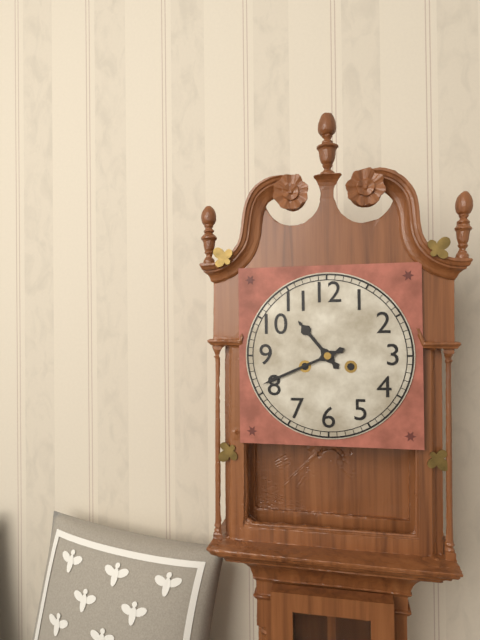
10,41
